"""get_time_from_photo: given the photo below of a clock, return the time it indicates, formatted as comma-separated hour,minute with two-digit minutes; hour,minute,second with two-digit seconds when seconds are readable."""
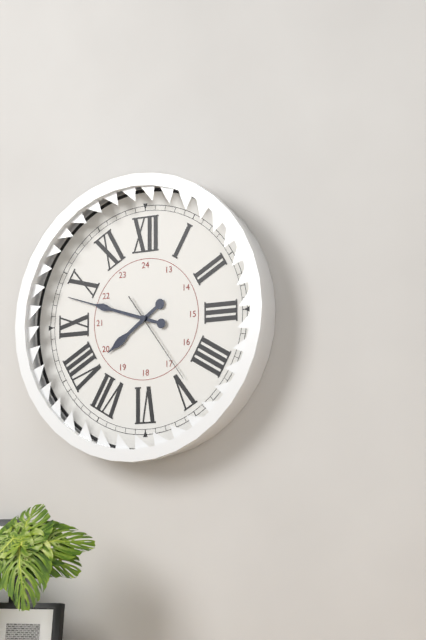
7,48,24
